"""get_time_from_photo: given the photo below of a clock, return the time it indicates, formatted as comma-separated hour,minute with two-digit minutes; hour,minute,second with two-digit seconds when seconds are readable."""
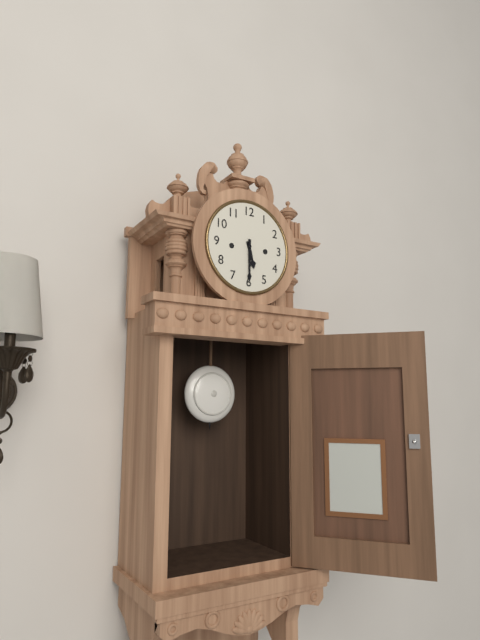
5,30
